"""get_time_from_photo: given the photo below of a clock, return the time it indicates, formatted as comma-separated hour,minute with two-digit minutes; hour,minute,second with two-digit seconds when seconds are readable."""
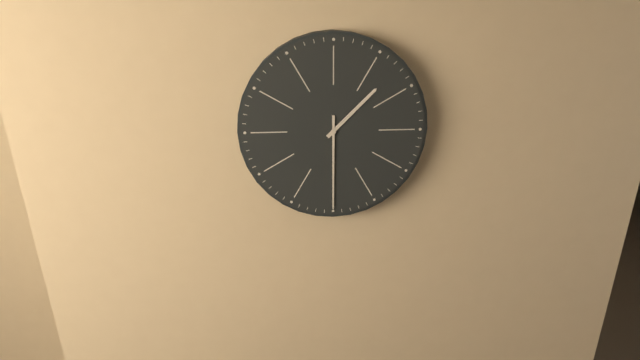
1,30
